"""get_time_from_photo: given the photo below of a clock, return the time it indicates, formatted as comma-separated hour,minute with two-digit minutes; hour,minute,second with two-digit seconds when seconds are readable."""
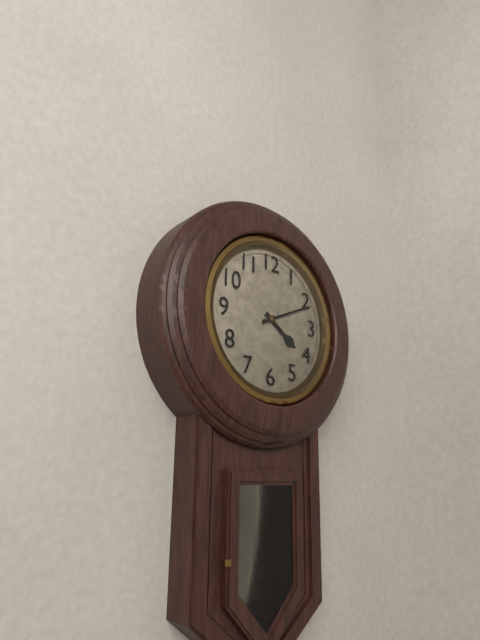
4,11
